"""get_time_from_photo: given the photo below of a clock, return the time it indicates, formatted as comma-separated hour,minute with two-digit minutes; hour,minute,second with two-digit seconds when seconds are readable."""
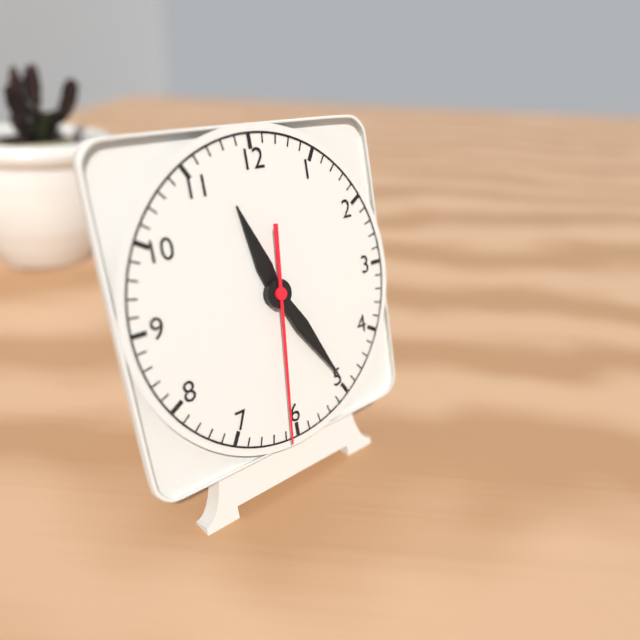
11,25,31
